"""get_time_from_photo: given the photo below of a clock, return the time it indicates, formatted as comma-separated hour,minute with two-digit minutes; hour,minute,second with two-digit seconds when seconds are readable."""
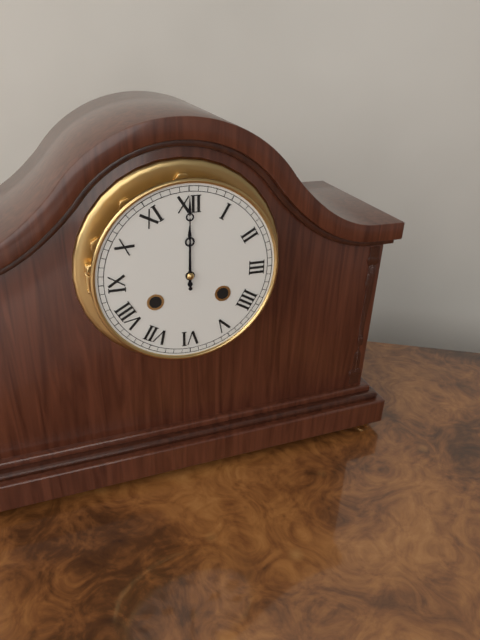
12,00
